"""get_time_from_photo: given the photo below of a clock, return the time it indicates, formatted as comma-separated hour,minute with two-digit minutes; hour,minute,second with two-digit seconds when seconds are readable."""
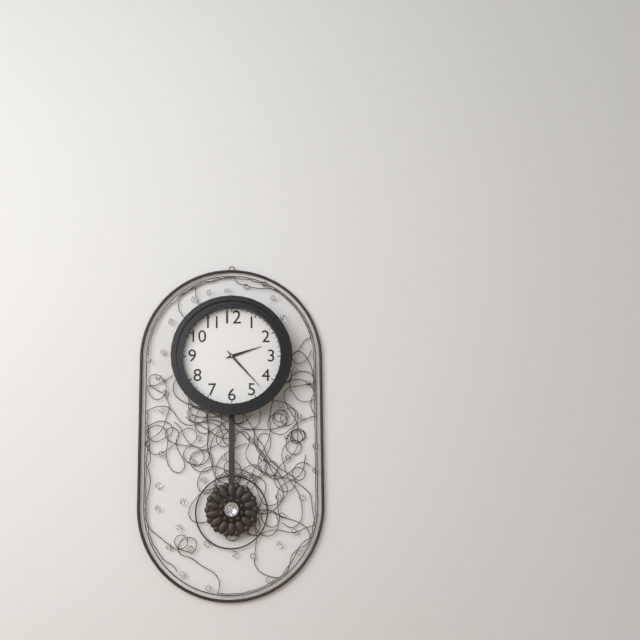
2,23
